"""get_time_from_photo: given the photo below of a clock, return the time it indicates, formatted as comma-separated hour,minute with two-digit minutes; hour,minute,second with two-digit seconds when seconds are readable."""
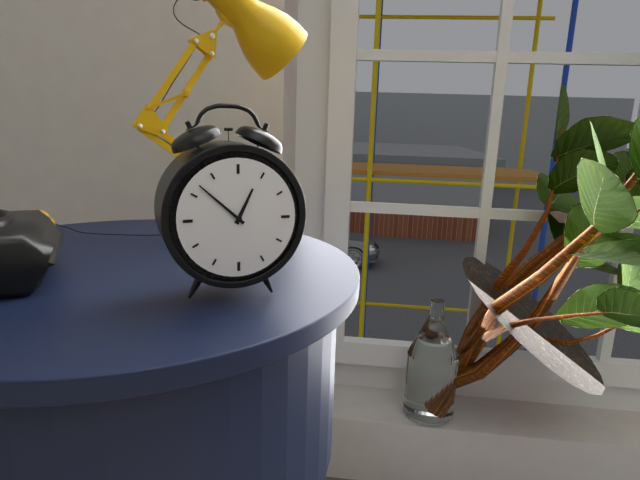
12,52
